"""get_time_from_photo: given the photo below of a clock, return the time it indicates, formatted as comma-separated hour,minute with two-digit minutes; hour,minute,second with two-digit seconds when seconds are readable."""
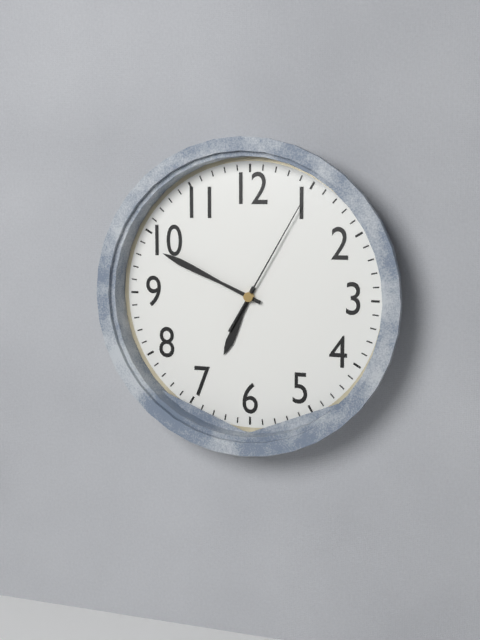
6,49,05
